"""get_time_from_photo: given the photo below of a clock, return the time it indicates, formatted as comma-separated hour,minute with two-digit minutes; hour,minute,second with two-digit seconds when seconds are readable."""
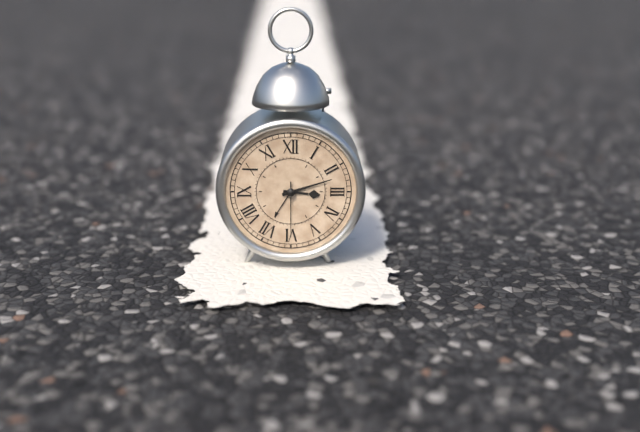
3,12,30
